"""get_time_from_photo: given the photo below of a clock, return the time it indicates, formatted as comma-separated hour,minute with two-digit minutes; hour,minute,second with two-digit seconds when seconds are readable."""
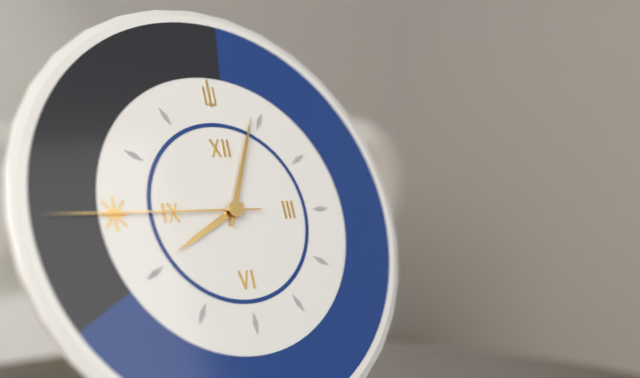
8,04,45
